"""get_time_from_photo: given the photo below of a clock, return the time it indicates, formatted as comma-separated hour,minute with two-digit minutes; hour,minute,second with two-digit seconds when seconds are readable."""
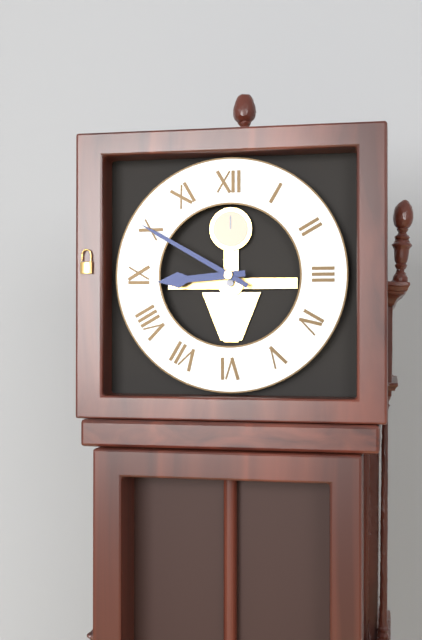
8,50
